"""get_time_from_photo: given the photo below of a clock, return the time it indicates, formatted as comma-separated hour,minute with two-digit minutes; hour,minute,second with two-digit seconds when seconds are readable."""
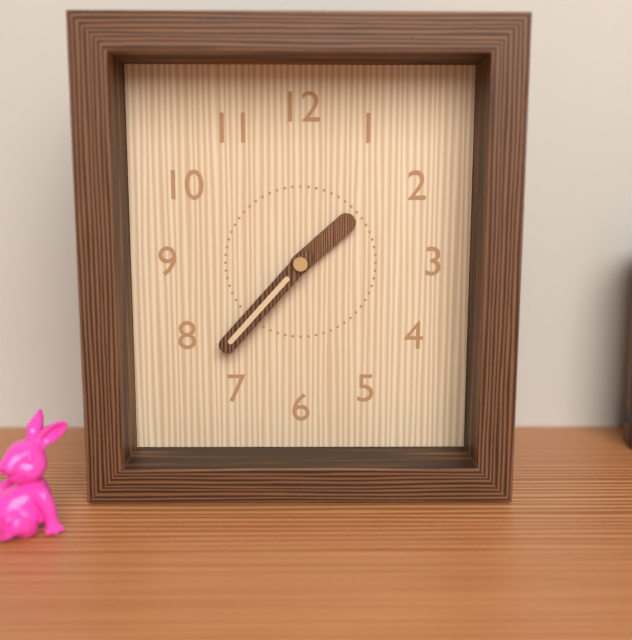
1,37
